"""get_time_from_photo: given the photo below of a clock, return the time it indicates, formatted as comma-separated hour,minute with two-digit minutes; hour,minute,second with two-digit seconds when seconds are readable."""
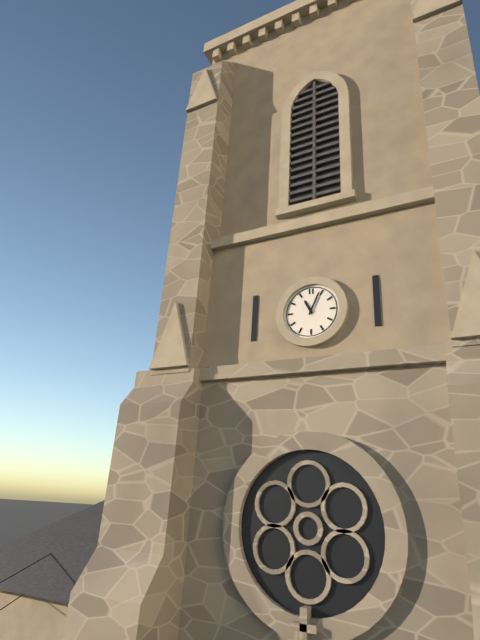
11,04
